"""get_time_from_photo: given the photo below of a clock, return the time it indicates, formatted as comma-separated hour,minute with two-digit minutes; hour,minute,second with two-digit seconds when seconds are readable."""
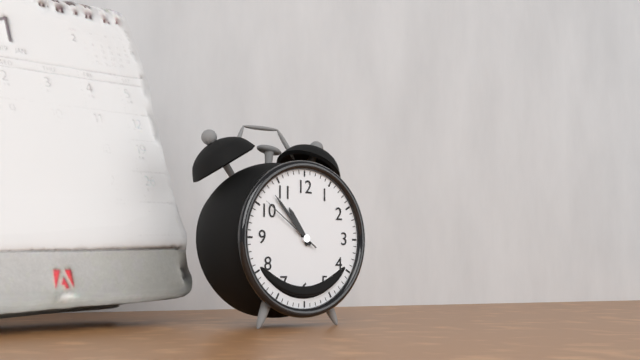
10,53,51
